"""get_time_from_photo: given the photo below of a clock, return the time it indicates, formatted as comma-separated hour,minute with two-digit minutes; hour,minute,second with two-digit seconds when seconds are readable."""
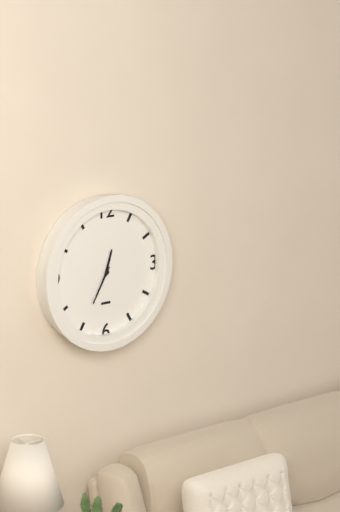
12,35
